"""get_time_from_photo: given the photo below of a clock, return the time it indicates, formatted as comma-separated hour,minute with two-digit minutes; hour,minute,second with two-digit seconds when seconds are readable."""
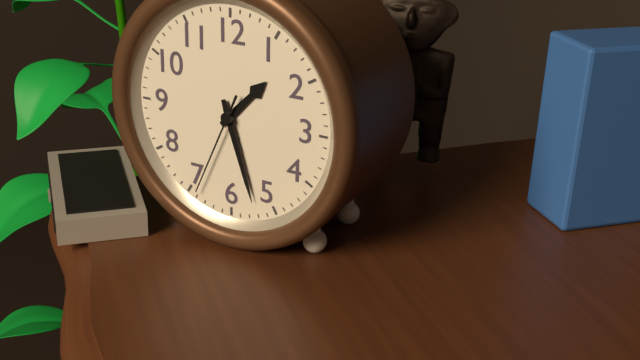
1,27,34
